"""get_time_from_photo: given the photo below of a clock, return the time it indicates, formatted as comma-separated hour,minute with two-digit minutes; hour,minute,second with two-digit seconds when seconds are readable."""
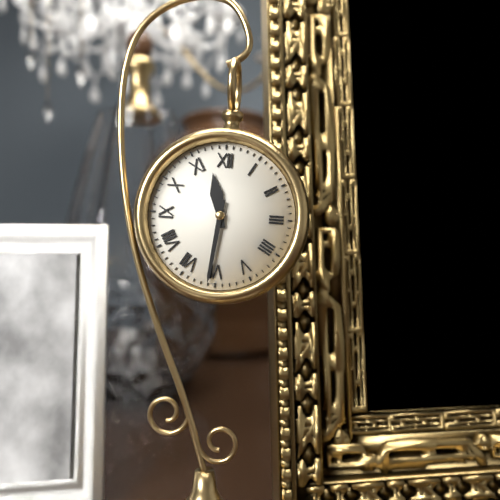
11,31
